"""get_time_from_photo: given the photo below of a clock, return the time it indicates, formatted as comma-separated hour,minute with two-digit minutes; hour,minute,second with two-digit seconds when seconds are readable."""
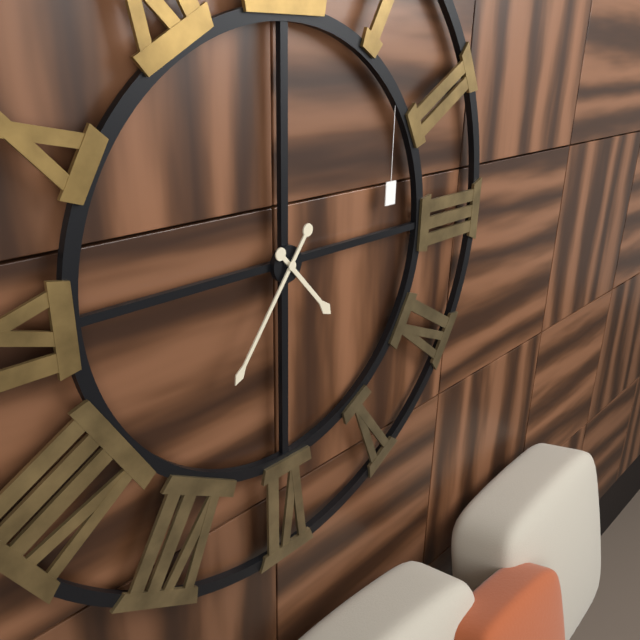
4,36
